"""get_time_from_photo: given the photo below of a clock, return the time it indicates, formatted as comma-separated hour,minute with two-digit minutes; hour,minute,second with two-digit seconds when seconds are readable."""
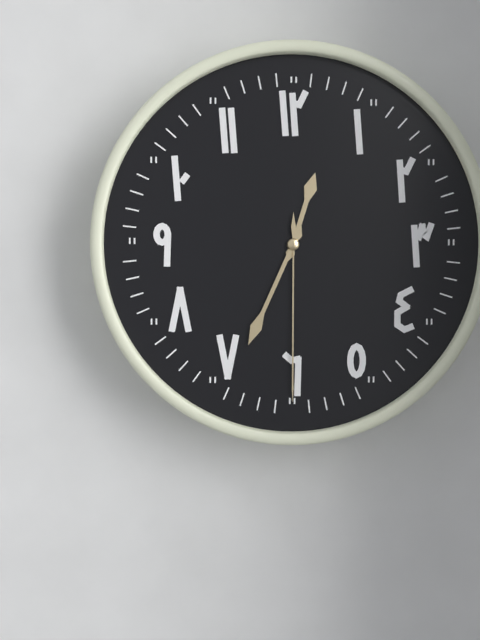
12,34,30
